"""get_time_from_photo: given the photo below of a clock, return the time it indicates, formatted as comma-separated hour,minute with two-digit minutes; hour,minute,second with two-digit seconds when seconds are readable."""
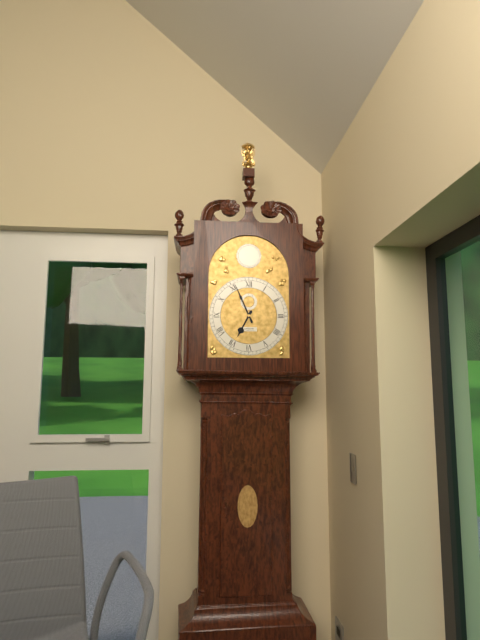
6,56
